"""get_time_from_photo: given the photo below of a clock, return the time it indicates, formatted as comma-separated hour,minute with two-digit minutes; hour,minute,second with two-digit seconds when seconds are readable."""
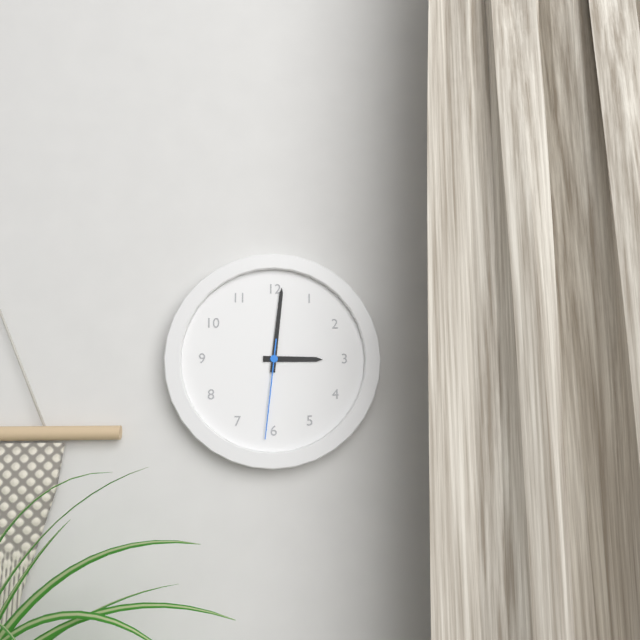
3,01,31
